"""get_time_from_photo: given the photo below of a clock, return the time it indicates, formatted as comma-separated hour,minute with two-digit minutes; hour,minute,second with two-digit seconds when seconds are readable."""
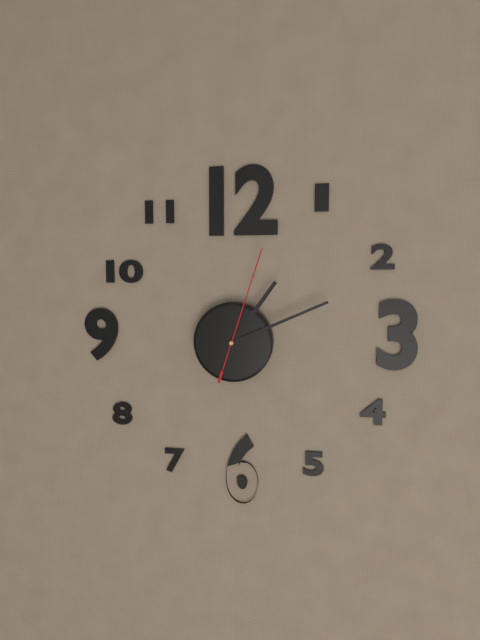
1,11,03
